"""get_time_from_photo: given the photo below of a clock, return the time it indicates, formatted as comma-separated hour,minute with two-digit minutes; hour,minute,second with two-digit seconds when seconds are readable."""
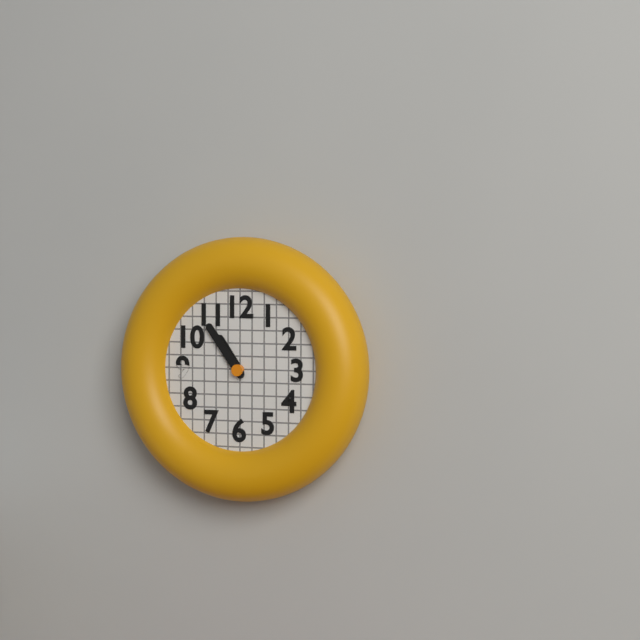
10,54
